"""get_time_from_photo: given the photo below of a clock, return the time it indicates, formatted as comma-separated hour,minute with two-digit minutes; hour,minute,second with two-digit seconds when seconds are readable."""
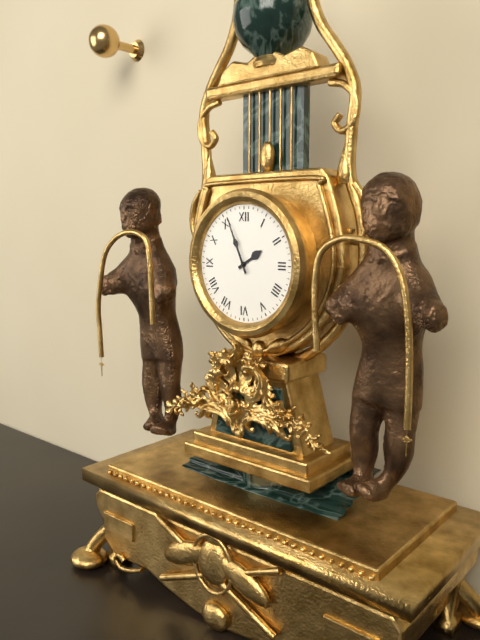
1,56
